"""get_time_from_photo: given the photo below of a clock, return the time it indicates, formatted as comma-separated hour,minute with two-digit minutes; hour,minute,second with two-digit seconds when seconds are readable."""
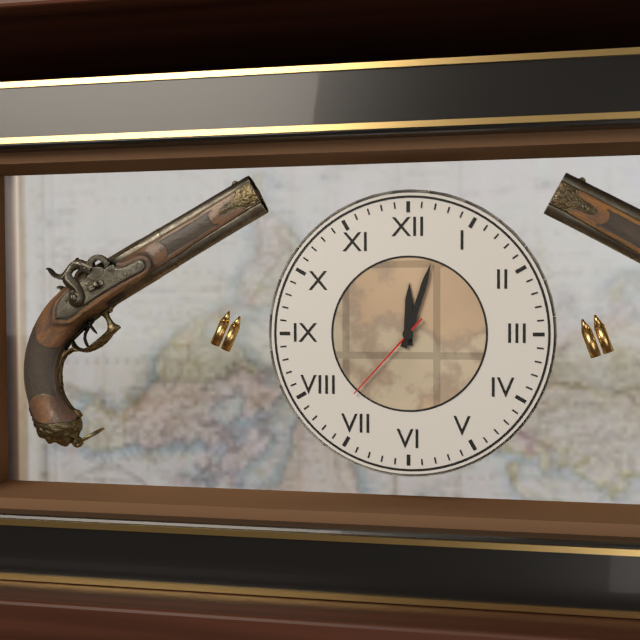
12,03,37
